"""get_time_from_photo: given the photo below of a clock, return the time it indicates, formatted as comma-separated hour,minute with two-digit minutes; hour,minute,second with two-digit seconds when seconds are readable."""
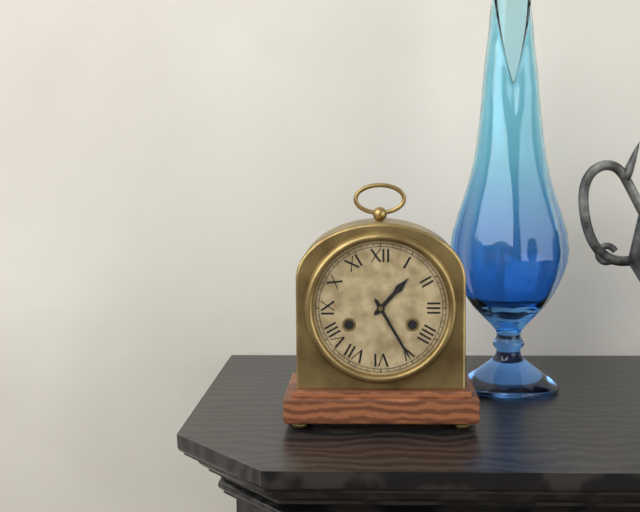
1,25
